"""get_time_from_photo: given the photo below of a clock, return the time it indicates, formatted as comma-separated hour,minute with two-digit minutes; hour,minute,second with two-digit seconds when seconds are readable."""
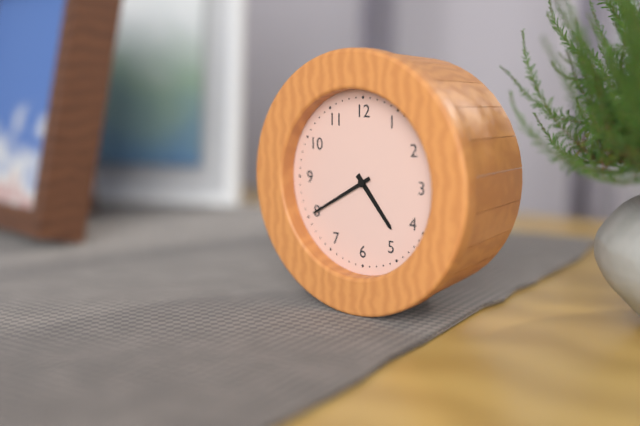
4,40
